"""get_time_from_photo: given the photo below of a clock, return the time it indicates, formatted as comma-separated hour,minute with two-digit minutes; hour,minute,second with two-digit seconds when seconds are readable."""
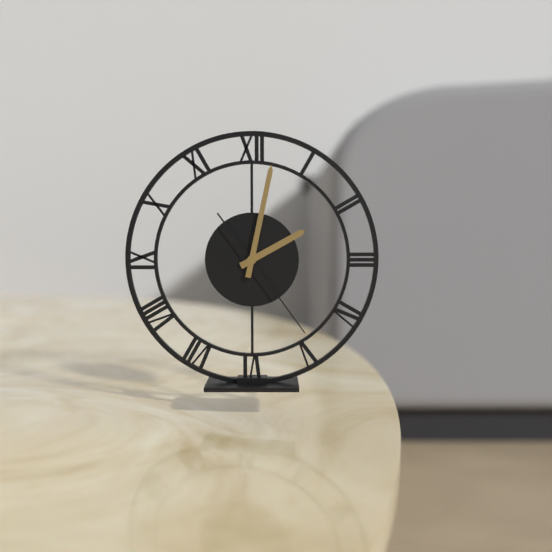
2,02,24
